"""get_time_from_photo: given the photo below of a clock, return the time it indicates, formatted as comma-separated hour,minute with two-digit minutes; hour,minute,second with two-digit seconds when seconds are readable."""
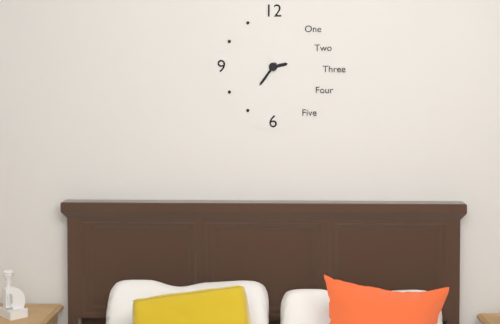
2,36
